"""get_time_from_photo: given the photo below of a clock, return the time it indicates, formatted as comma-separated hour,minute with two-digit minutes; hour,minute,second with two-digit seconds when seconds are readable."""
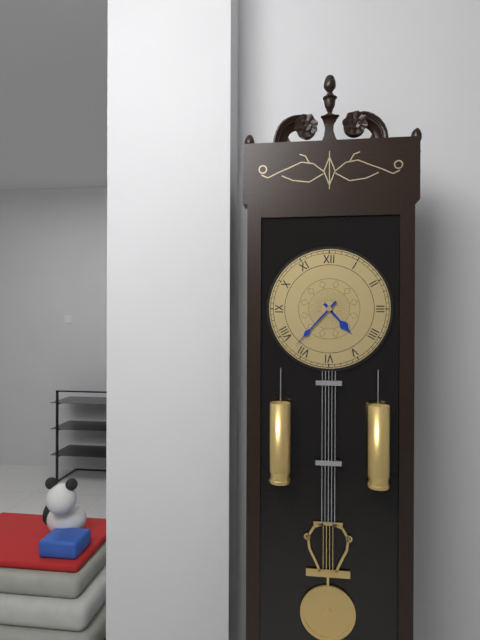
4,37
